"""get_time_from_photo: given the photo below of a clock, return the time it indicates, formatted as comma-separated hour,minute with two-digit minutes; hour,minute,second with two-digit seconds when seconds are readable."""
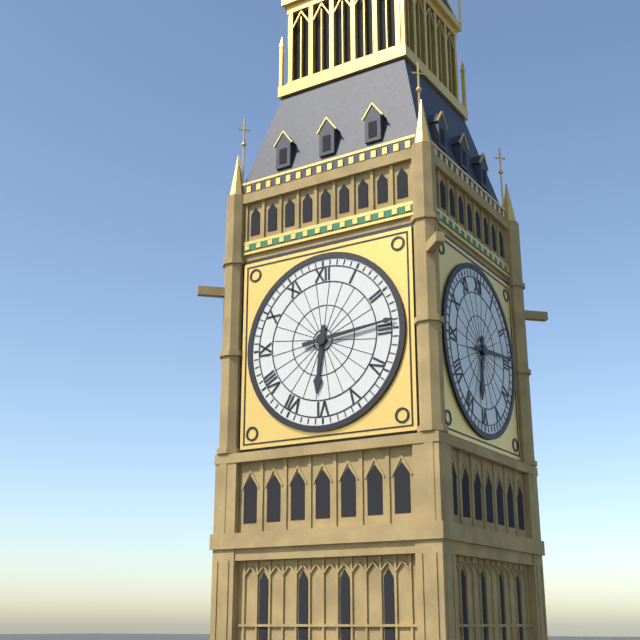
6,14
